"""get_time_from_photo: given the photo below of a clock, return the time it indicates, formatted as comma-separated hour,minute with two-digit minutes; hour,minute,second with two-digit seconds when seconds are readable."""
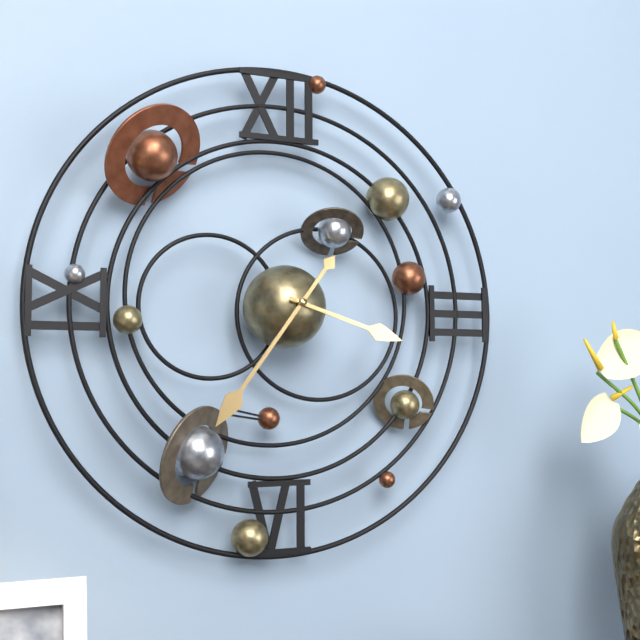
3,36
